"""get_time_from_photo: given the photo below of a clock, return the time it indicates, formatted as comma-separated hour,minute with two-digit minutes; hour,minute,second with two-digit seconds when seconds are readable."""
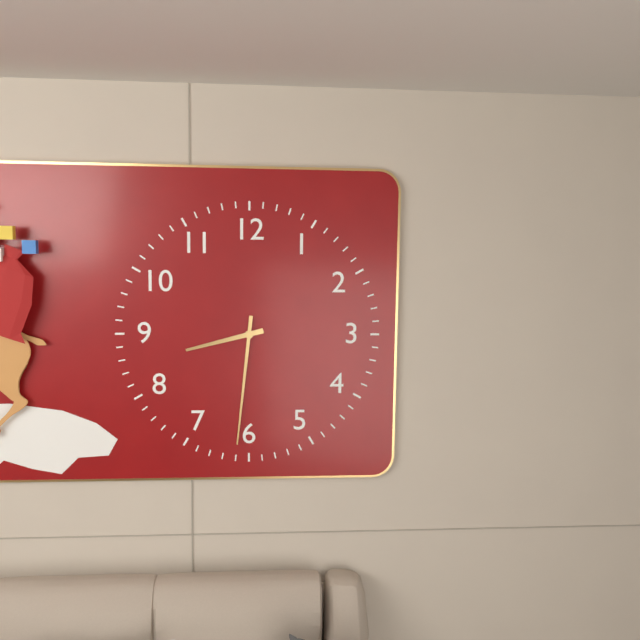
8,31
